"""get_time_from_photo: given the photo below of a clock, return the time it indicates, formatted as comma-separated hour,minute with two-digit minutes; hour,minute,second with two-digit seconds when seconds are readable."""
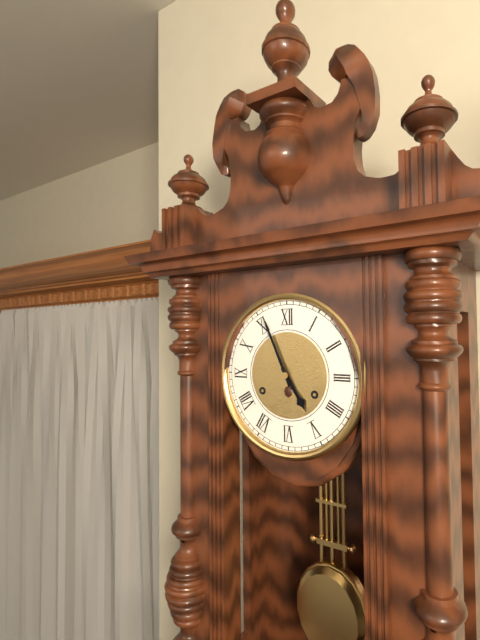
4,56
